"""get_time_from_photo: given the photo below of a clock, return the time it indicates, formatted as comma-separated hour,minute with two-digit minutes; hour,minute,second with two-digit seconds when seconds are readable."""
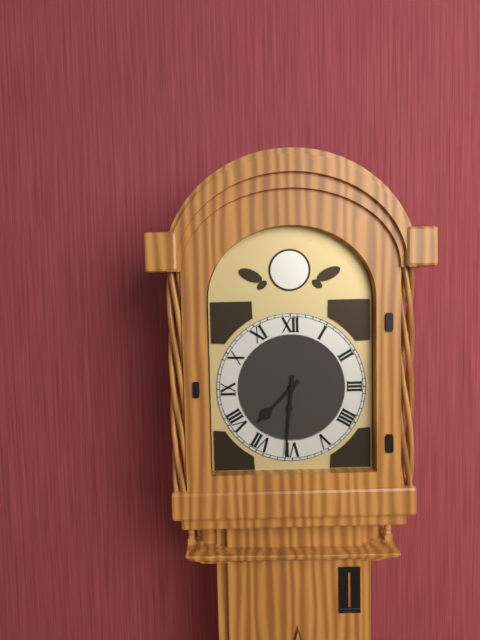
7,31
